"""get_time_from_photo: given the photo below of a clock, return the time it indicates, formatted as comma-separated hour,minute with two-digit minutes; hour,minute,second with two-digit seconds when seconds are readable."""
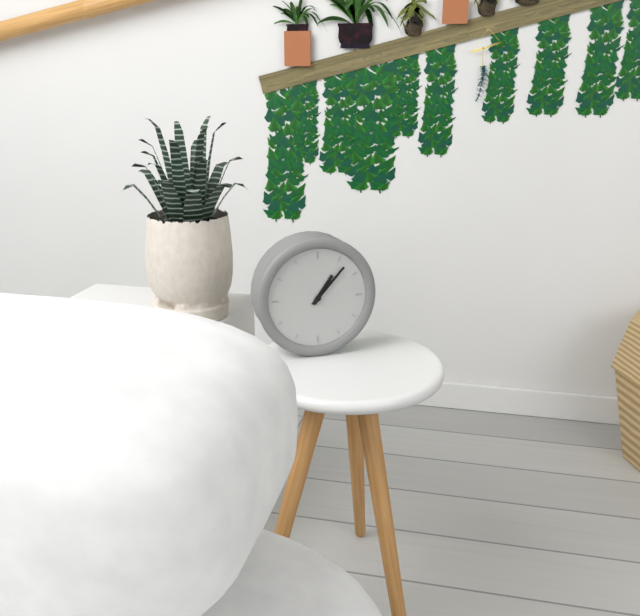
1,07
